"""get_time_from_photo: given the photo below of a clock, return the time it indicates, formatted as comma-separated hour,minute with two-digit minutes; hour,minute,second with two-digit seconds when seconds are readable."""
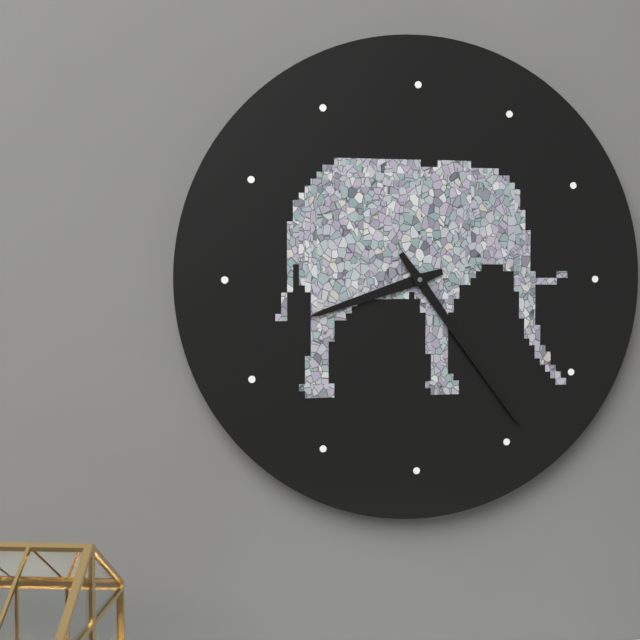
8,24
